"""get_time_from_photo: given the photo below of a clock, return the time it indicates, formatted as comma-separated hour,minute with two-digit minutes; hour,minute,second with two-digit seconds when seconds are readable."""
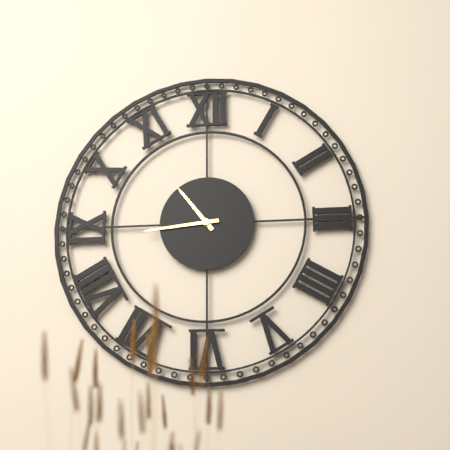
10,44
